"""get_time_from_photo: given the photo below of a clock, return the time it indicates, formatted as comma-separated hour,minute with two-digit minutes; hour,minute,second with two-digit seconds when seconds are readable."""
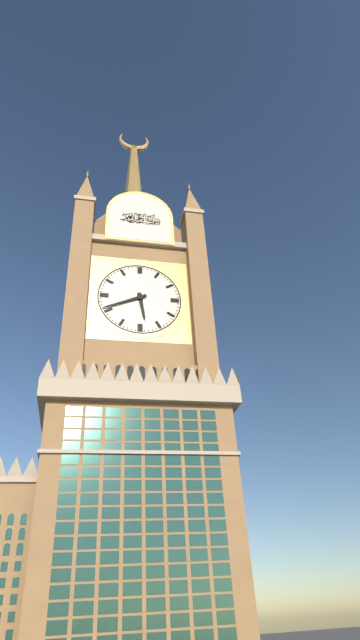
5,41
